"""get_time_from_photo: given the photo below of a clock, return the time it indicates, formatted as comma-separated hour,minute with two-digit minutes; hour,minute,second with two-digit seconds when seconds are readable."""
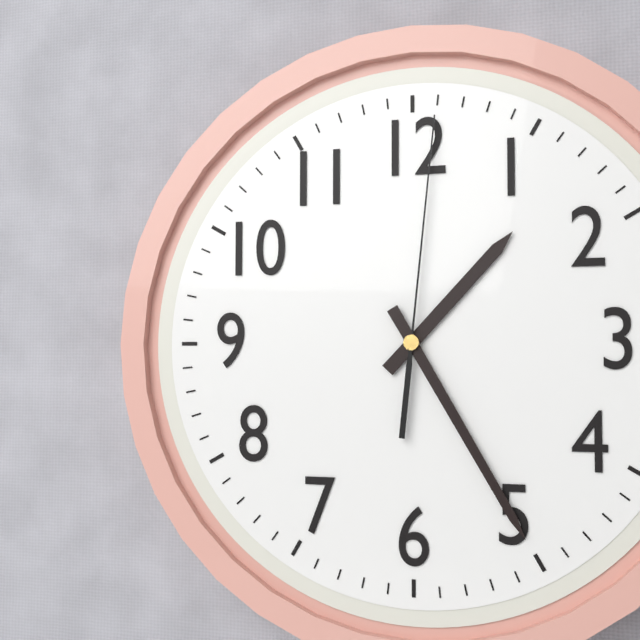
1,25,01
